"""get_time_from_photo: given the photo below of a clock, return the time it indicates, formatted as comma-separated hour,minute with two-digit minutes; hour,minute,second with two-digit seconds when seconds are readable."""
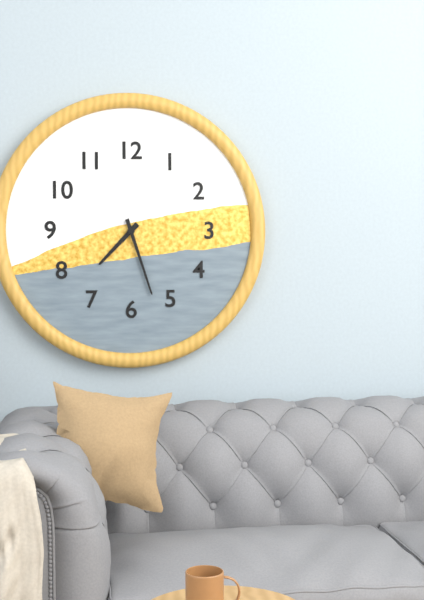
7,27
